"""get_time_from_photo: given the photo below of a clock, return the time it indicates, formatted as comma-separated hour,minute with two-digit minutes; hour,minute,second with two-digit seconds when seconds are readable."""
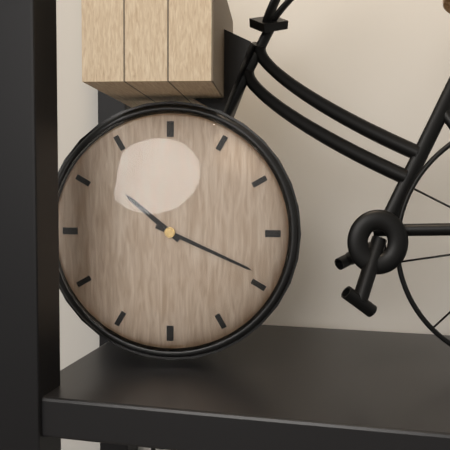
10,19
